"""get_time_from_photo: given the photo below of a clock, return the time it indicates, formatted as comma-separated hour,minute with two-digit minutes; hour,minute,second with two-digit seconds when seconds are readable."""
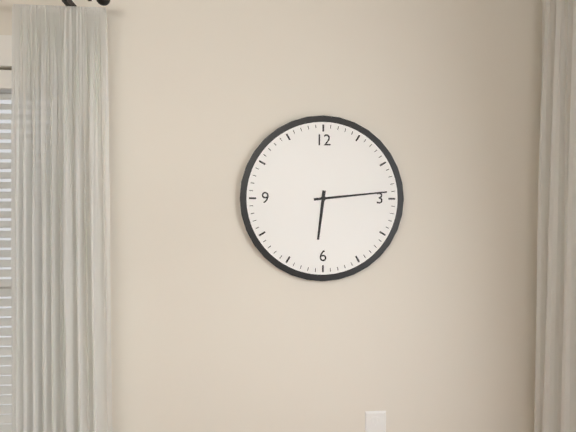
6,14
